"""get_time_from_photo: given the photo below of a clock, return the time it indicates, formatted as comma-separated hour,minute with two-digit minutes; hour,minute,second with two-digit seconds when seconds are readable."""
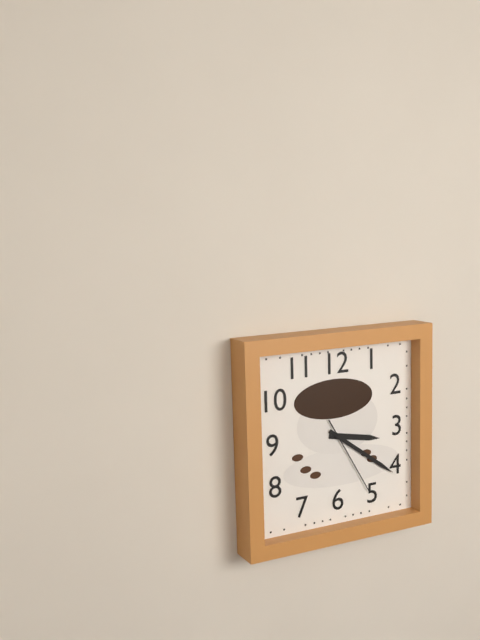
3,21,25
